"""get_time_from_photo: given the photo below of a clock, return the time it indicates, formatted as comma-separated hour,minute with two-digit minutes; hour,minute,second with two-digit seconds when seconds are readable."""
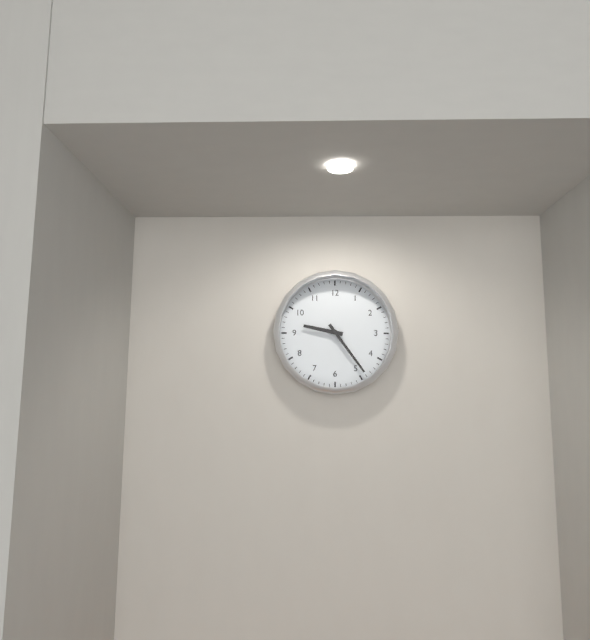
9,24
